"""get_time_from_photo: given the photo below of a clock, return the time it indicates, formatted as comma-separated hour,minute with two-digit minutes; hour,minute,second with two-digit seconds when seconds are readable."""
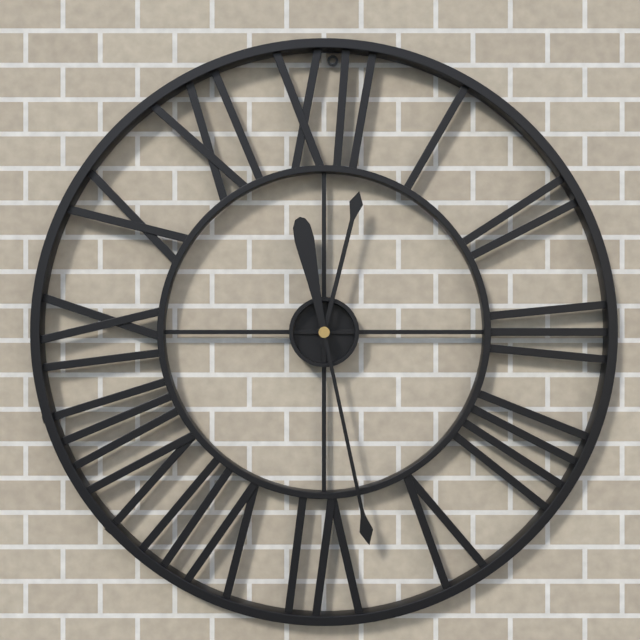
12,28
